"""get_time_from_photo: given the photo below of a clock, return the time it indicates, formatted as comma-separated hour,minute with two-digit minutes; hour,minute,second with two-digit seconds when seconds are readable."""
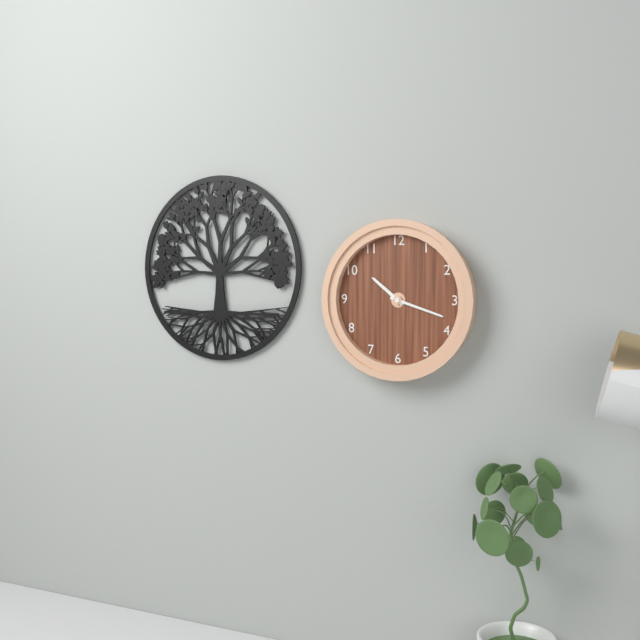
10,18
